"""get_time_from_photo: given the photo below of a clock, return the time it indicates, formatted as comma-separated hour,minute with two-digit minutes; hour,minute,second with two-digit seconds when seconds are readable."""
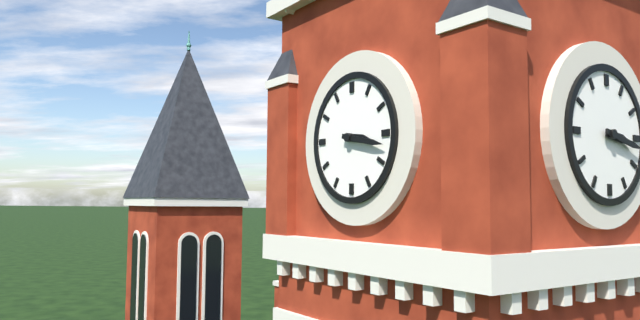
3,17
